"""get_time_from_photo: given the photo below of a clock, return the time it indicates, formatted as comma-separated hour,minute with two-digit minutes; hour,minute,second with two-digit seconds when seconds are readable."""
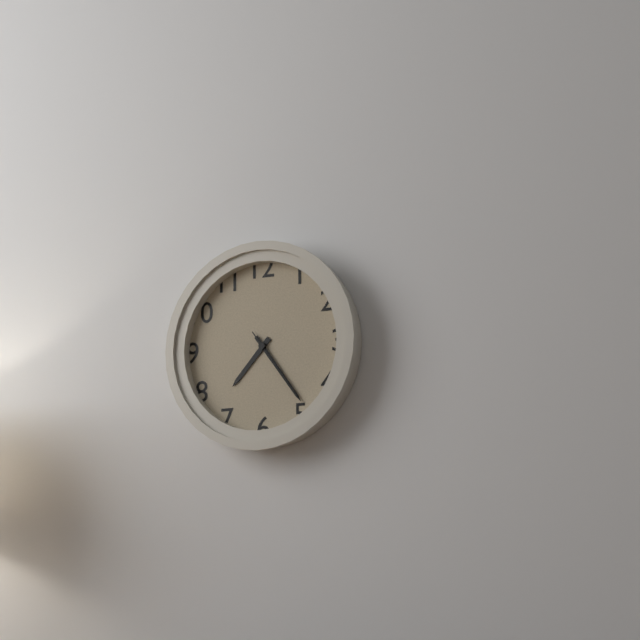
7,24,24
